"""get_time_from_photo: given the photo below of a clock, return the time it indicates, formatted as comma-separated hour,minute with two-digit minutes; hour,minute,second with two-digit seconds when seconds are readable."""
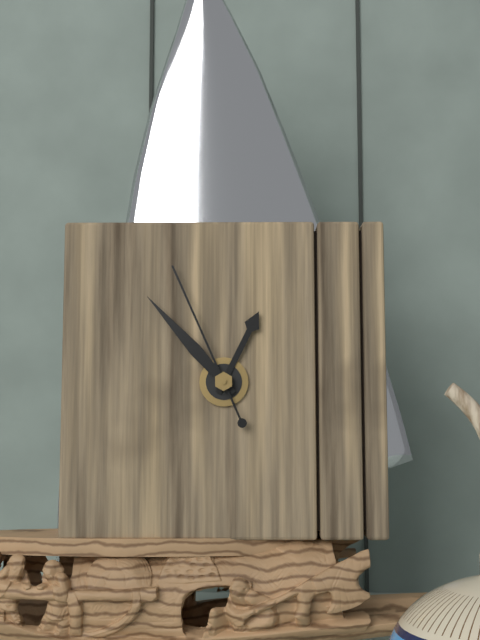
12,53,56
